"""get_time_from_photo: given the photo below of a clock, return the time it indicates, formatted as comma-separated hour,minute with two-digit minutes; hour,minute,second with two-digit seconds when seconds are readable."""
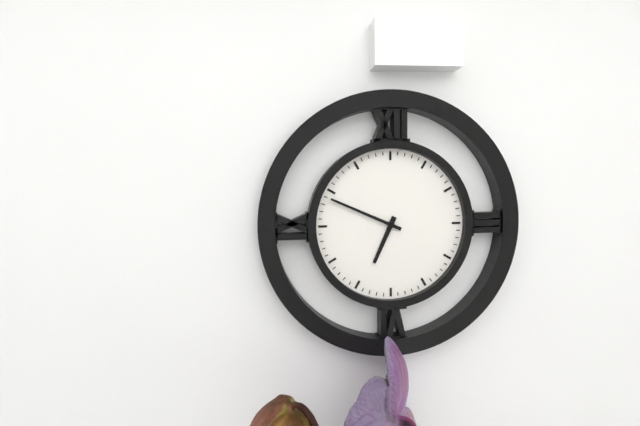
6,49
